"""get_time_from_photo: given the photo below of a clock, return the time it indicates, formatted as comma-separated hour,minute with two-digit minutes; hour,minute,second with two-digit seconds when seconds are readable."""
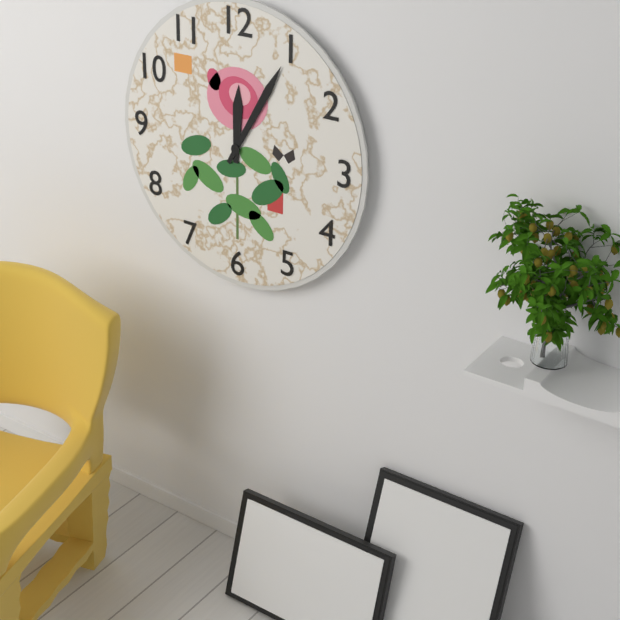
12,05
